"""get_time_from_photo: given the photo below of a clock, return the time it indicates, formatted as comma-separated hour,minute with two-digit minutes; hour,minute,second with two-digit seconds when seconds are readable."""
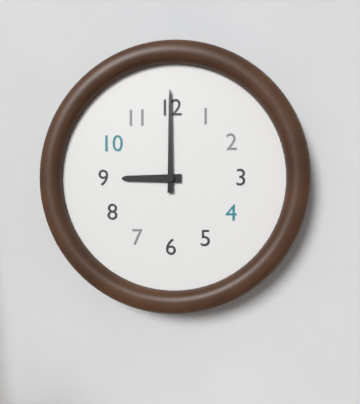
9,00
